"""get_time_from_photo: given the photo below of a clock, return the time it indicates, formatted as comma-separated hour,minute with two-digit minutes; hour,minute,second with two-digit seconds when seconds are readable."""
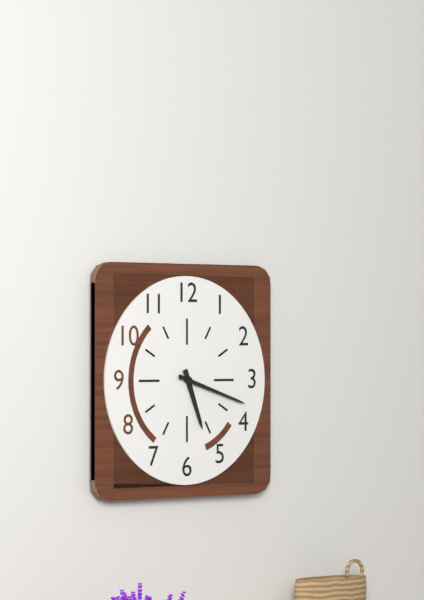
5,18
